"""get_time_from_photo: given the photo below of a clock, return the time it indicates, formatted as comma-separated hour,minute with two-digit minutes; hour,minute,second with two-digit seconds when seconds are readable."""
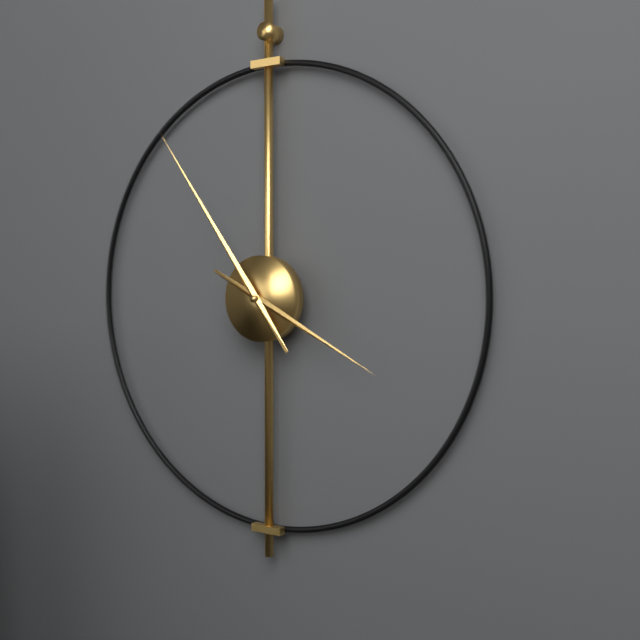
3,54
